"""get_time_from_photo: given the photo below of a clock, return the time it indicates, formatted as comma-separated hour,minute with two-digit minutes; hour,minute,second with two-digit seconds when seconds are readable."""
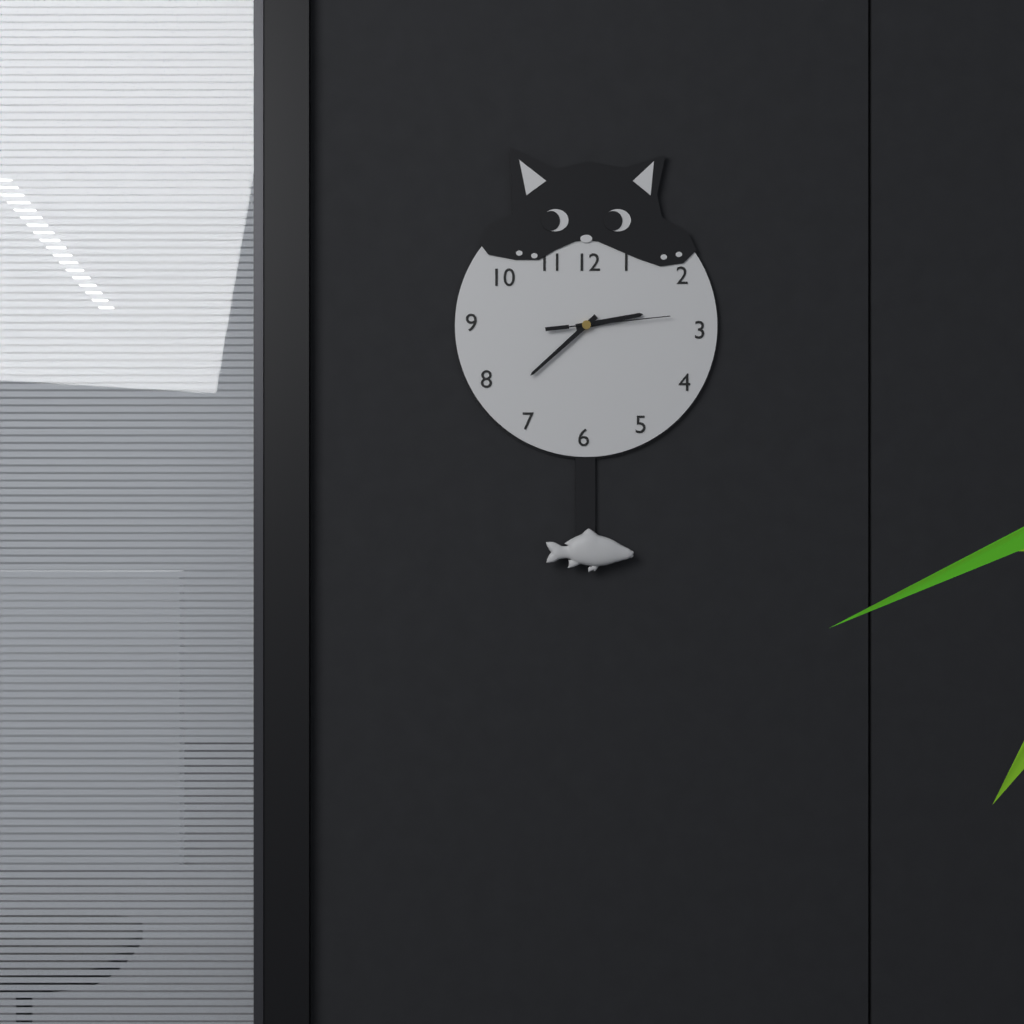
2,38,14
